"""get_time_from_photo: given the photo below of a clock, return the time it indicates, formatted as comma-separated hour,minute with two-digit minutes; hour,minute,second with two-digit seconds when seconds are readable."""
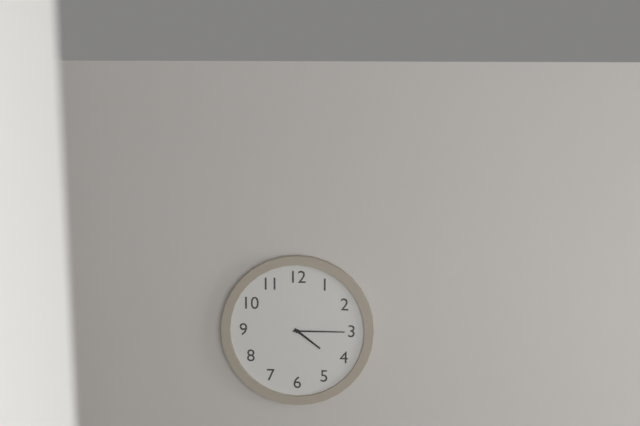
4,15
